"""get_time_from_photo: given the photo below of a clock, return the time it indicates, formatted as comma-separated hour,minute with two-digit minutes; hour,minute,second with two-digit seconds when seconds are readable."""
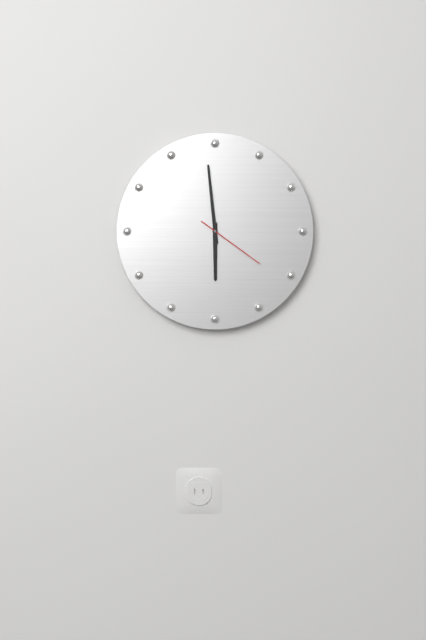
5,59,21
